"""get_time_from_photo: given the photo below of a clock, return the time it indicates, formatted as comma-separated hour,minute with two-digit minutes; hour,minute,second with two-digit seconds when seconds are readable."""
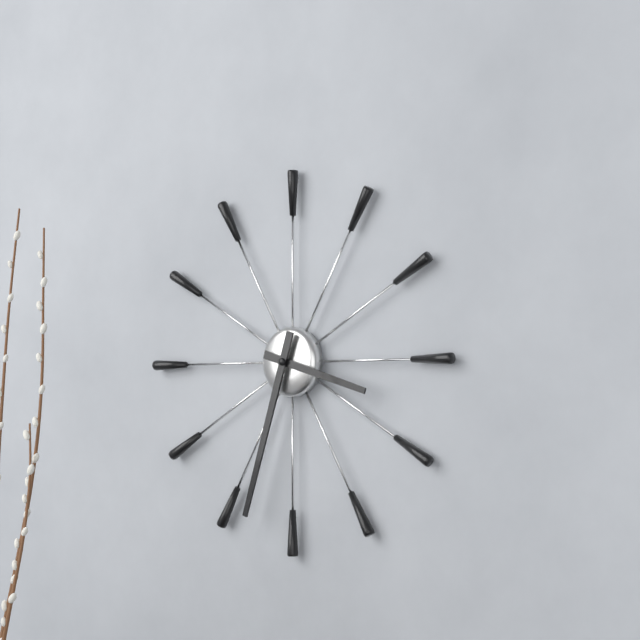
3,33
